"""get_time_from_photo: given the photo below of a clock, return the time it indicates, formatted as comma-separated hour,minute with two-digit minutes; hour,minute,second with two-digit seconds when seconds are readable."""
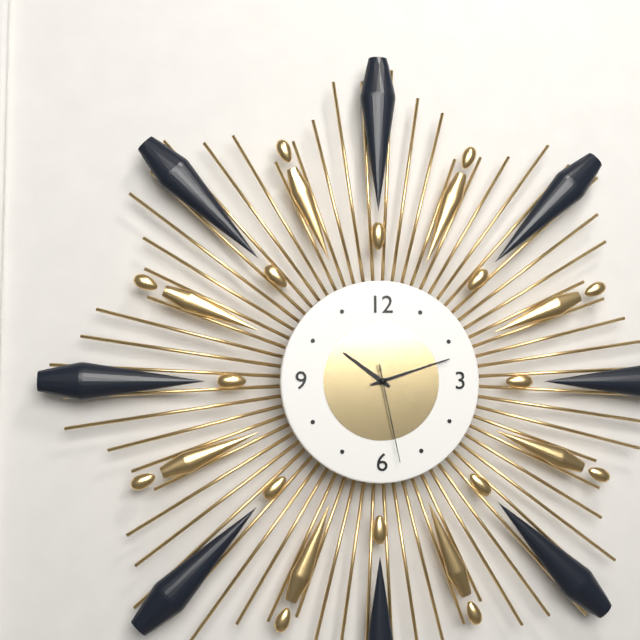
10,12,28
